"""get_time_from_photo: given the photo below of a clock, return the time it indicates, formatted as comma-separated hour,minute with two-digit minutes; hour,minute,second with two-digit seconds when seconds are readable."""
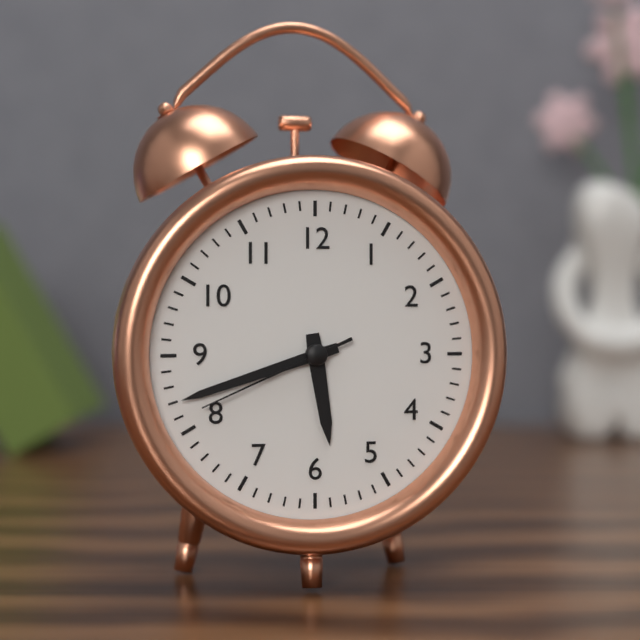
5,42,41
